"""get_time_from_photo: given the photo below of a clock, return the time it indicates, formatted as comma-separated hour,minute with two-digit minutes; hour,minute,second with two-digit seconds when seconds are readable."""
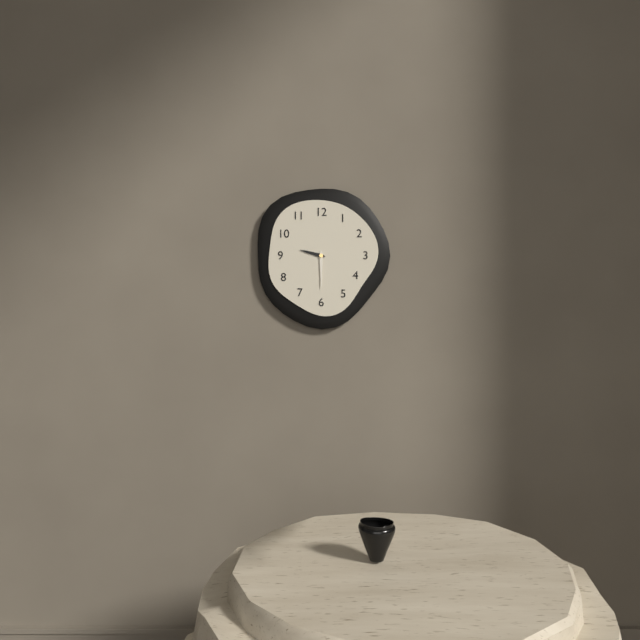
9,30
